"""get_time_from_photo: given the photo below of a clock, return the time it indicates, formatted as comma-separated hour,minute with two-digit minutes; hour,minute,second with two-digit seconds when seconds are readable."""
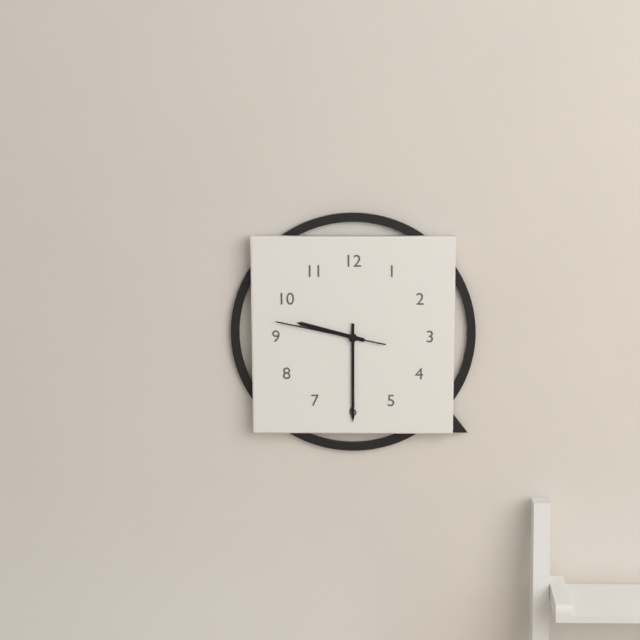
9,30,47
